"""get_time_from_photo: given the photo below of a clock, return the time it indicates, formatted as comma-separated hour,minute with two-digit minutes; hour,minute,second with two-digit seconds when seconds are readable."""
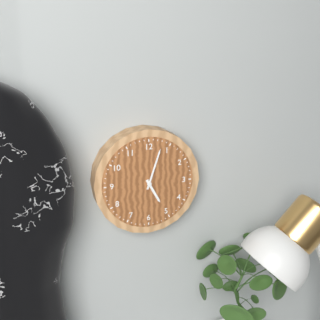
5,03
